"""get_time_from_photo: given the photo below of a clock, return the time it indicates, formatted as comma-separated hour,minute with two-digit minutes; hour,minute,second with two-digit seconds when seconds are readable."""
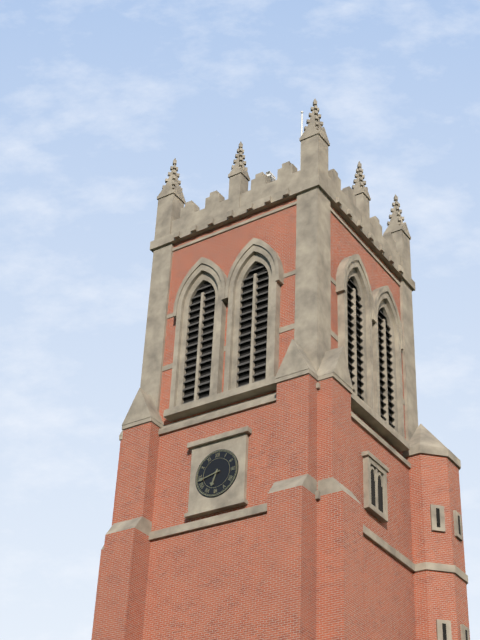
6,43
